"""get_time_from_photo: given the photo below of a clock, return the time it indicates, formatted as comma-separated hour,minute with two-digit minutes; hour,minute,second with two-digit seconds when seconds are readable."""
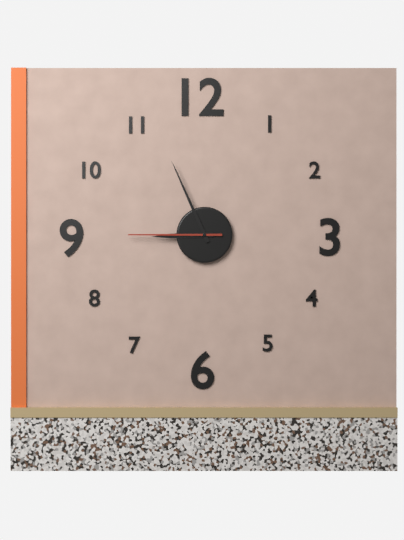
8,56,45
